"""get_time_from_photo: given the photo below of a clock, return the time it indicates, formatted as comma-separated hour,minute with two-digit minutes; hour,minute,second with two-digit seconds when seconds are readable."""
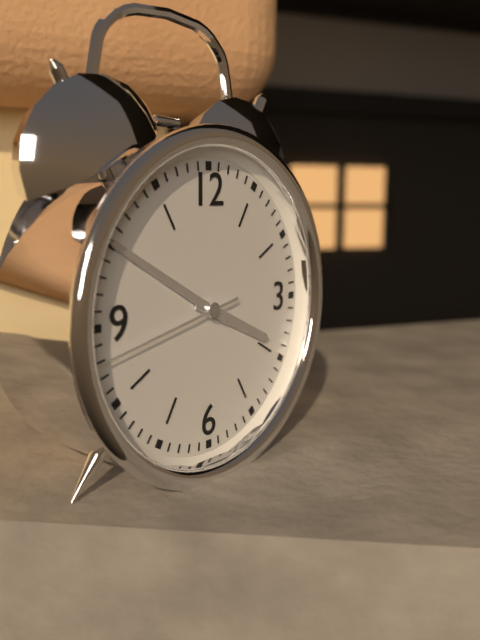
3,50,43
